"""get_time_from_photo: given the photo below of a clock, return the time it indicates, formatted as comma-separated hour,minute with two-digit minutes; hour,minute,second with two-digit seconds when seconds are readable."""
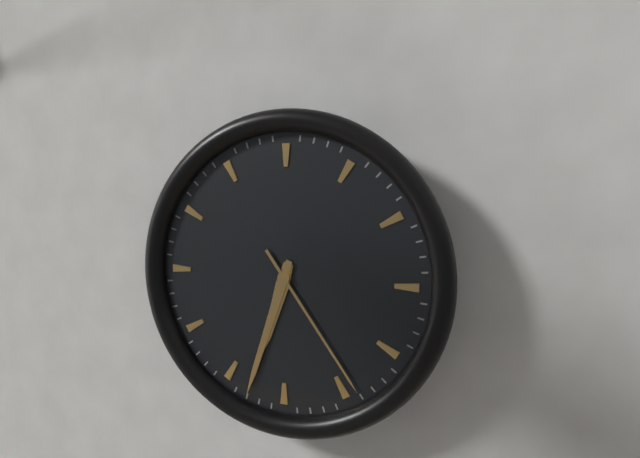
6,33,24
